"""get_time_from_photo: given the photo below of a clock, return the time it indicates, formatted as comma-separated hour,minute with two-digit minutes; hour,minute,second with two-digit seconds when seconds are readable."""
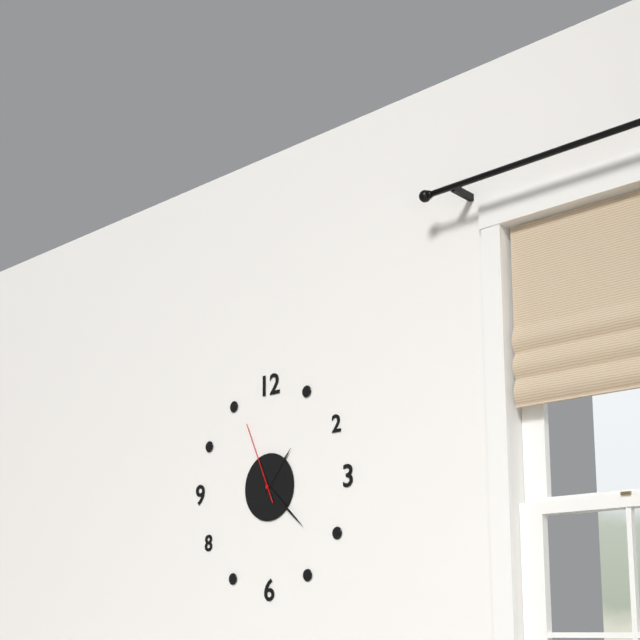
1,22,56
